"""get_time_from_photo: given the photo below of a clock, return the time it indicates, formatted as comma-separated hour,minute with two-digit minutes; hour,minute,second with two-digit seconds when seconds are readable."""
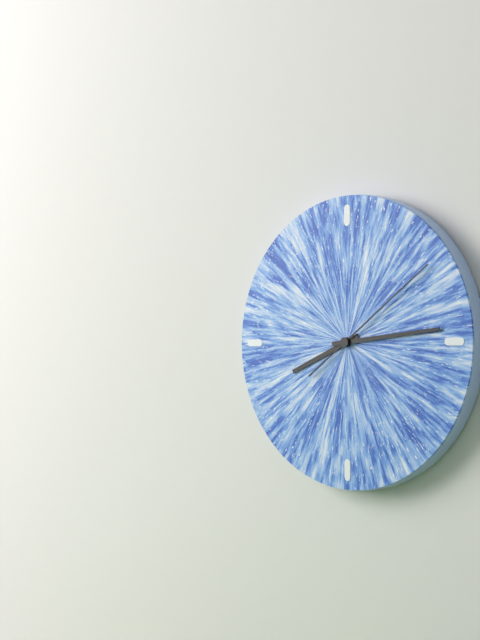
8,14,09
